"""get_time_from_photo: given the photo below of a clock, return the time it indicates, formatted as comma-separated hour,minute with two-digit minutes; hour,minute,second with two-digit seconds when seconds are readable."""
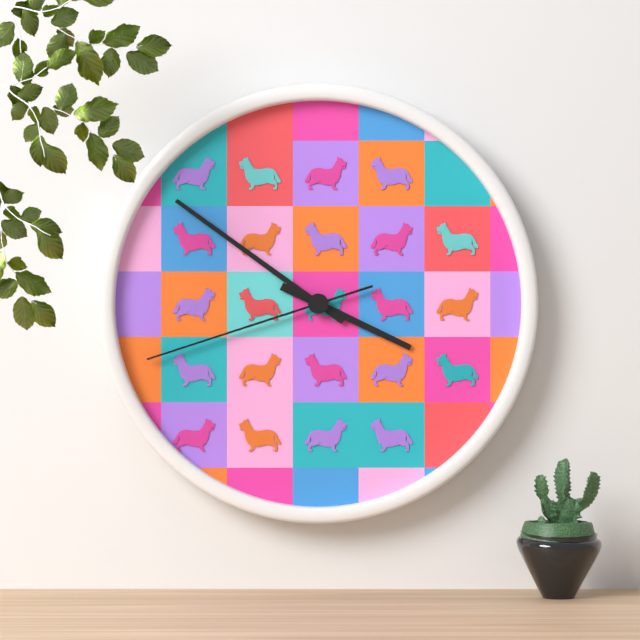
3,51,42
